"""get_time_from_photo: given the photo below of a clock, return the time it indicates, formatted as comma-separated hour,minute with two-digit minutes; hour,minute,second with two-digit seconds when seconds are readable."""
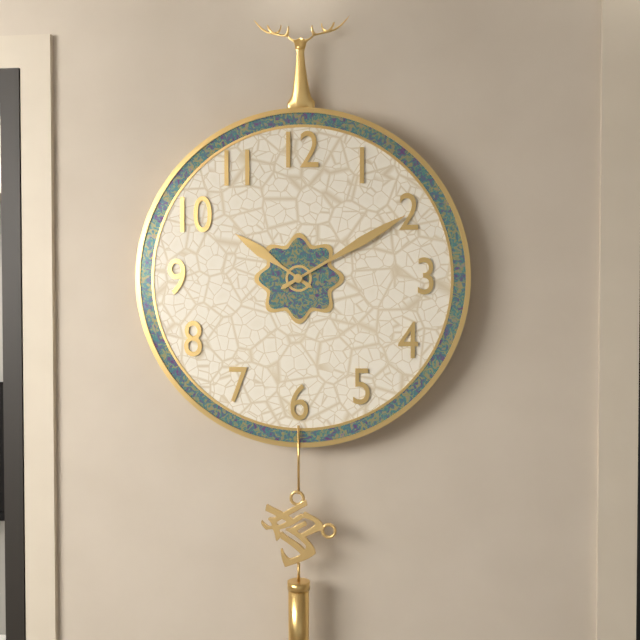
10,10
